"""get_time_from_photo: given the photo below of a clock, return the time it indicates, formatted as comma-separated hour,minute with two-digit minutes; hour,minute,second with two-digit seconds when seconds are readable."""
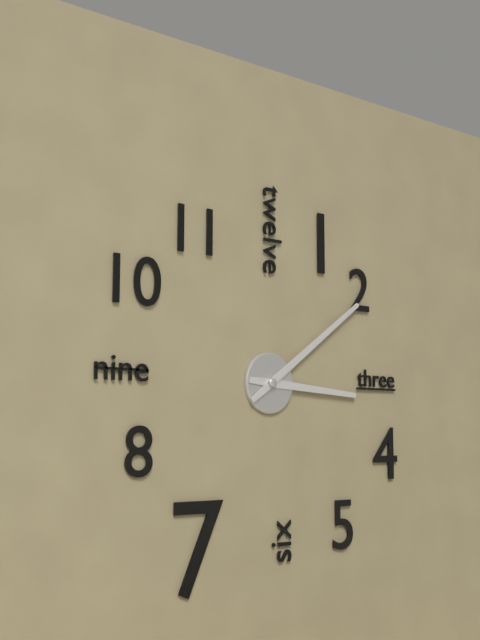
3,09
